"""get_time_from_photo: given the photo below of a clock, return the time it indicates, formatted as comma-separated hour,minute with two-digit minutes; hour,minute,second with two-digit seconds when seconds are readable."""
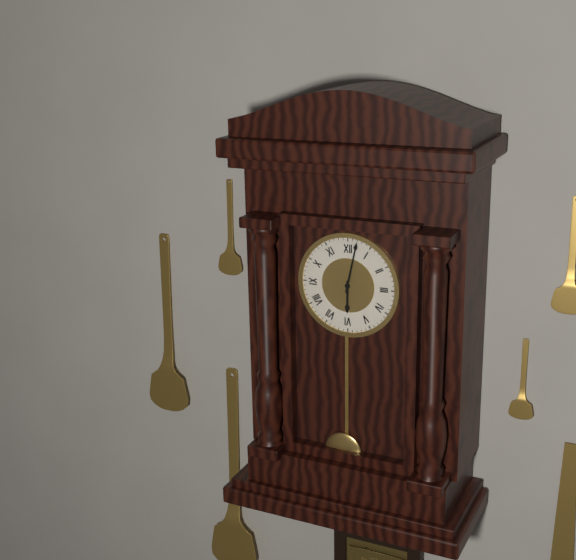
6,02
